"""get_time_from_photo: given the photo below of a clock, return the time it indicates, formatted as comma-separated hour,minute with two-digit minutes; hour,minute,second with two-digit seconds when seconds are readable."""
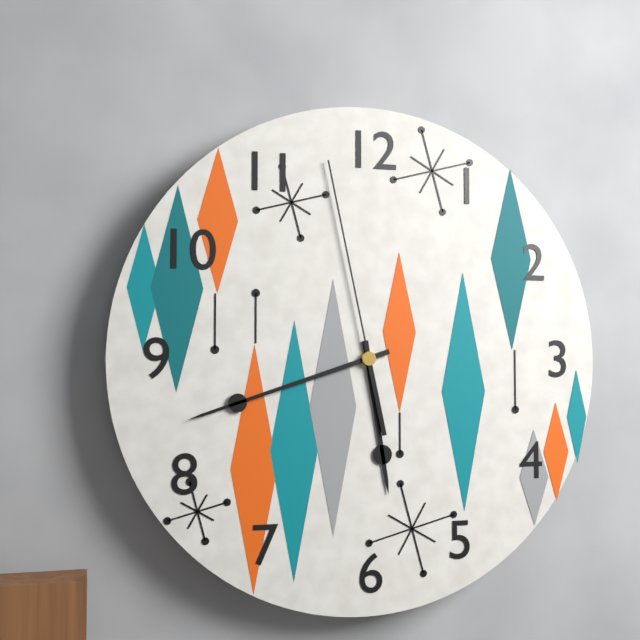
5,42,58
